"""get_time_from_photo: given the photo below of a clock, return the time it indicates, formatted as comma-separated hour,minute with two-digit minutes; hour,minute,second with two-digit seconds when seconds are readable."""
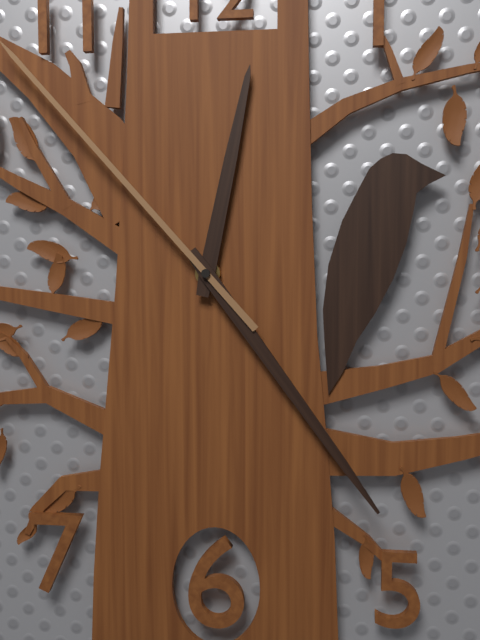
12,24
